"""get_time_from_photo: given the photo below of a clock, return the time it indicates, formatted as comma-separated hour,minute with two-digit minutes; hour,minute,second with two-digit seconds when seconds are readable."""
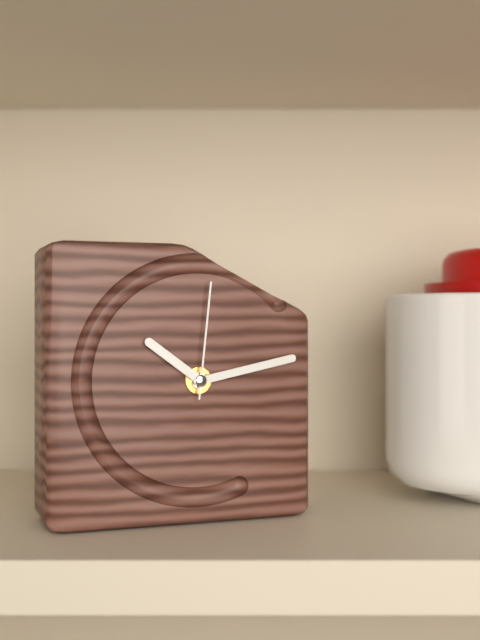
10,13,01
